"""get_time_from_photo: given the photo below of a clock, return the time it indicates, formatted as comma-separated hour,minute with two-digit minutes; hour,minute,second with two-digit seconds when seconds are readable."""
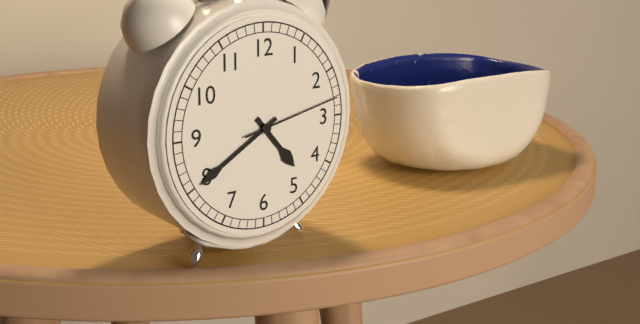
4,40,13
